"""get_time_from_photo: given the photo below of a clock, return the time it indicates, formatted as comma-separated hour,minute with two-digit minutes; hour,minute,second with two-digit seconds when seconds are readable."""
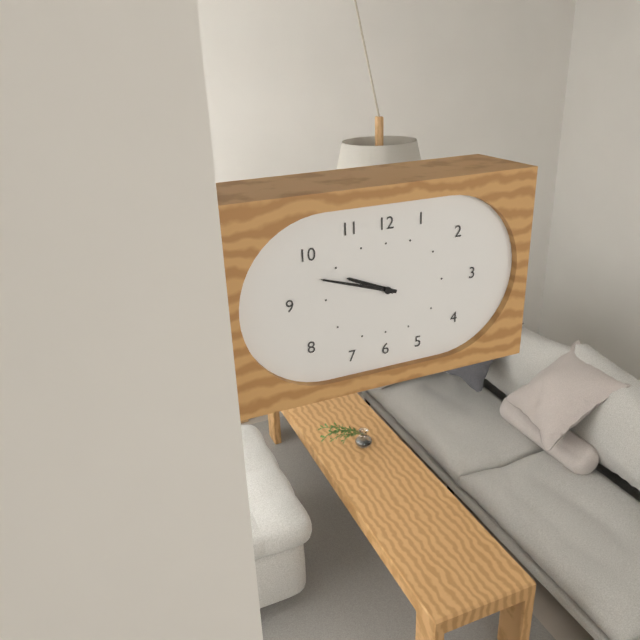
9,48
